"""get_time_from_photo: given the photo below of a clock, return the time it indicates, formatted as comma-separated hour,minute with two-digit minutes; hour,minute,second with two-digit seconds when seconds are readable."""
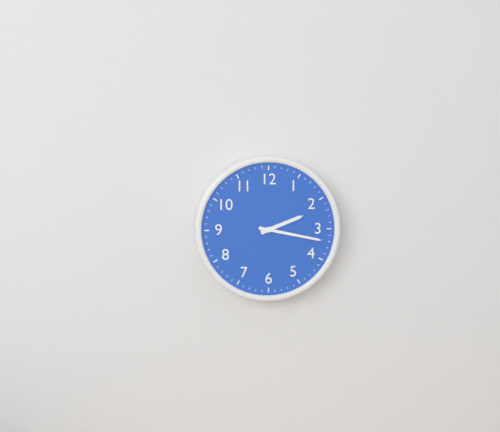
2,17
